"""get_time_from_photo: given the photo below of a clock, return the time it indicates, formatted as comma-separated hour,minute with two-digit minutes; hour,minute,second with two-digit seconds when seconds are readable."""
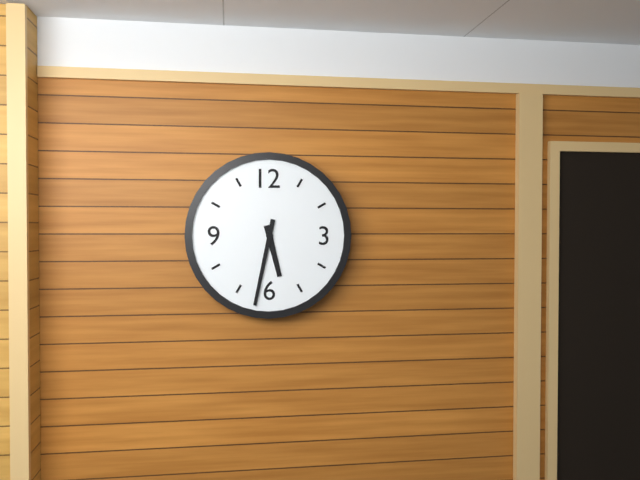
5,32
